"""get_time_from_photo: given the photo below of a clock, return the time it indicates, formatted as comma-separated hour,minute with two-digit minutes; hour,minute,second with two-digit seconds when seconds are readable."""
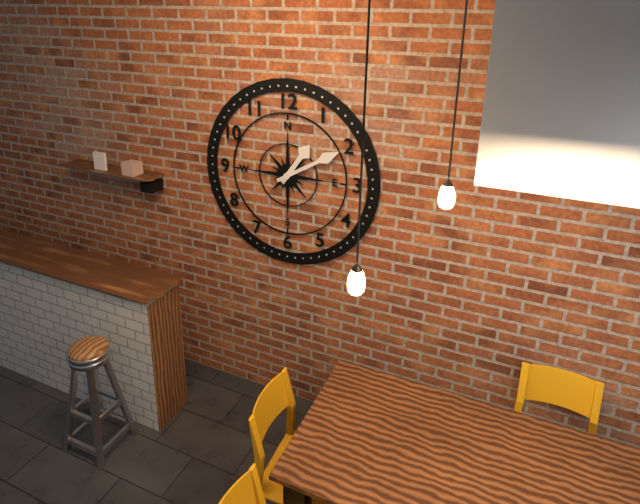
1,10
